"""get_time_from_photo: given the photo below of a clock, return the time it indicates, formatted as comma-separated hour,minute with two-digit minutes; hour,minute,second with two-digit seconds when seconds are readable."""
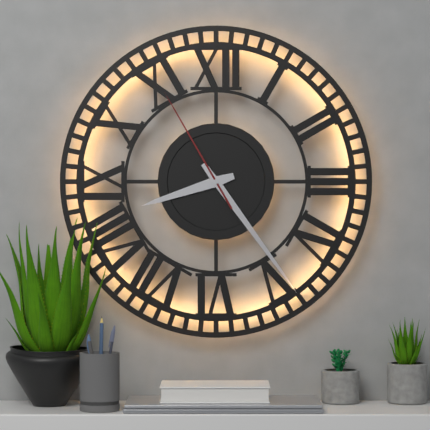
8,24,55
